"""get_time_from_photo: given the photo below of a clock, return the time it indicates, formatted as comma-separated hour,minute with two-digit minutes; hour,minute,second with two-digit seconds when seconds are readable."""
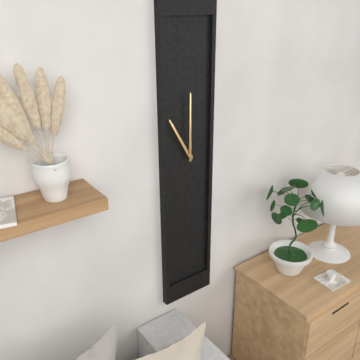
11,00
